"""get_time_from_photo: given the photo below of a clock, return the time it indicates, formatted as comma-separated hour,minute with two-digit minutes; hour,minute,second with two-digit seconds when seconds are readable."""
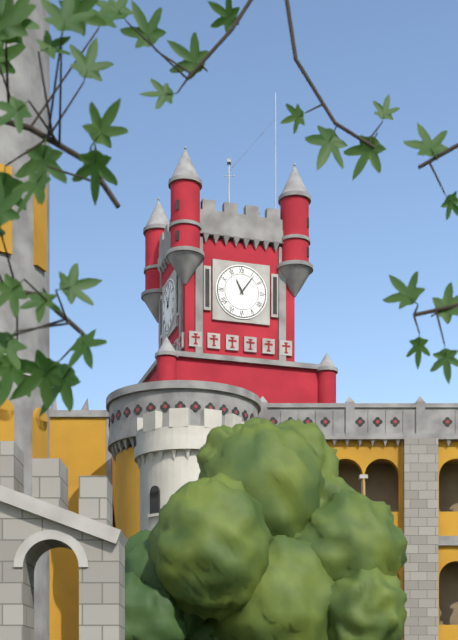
11,06
